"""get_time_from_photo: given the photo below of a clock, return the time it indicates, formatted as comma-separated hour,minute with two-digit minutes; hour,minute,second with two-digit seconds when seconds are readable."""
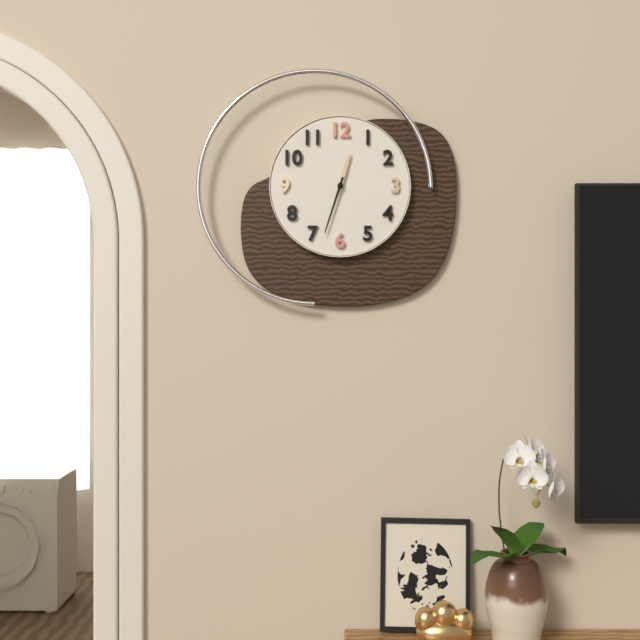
12,33
